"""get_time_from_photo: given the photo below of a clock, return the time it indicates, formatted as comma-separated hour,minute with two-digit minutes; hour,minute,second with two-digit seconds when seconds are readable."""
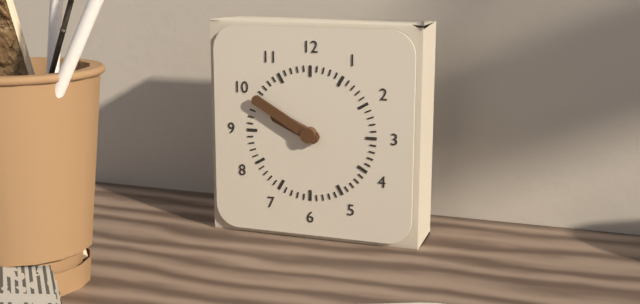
9,50
